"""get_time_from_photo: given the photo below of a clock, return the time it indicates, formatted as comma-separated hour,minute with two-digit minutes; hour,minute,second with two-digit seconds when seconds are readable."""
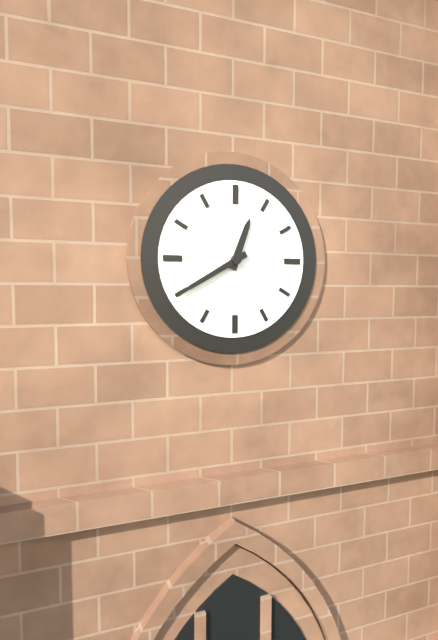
12,40
